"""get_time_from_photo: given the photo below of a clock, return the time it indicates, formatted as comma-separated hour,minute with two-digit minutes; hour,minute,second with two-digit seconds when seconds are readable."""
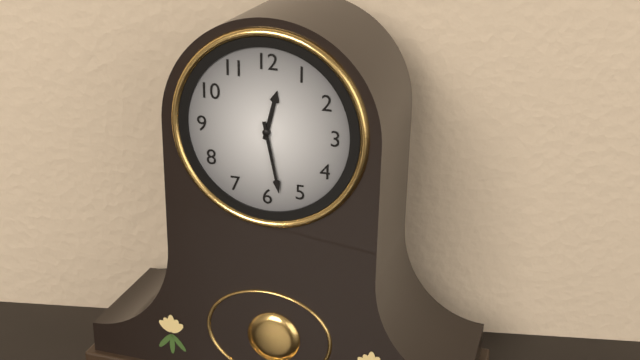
12,28
